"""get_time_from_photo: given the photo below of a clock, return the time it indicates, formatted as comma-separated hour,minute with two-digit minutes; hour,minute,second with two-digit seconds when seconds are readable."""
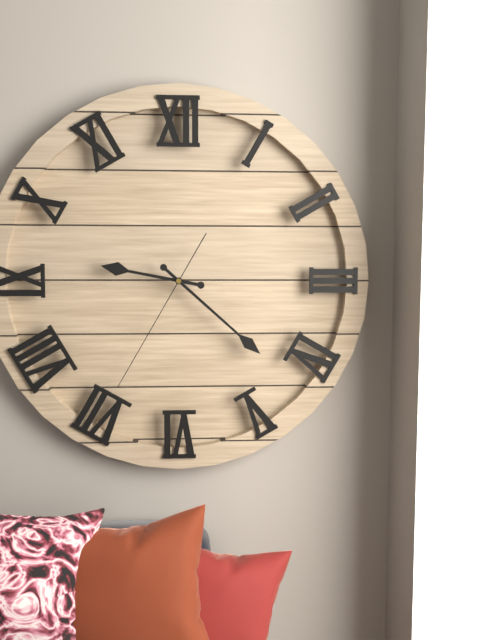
9,22,35
